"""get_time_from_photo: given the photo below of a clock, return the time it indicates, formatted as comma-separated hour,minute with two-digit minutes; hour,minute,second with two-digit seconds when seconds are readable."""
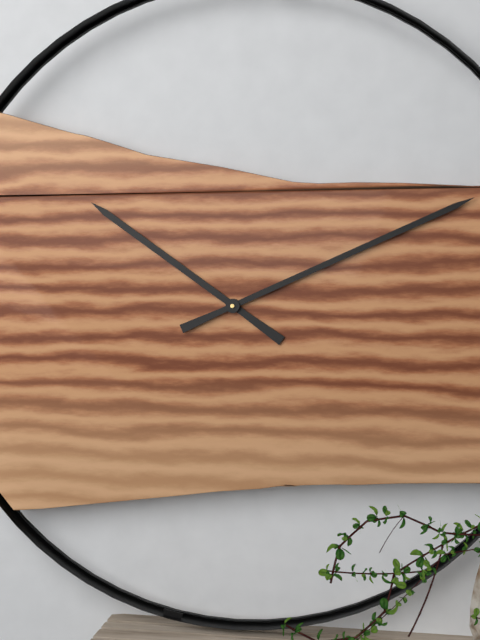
10,11
